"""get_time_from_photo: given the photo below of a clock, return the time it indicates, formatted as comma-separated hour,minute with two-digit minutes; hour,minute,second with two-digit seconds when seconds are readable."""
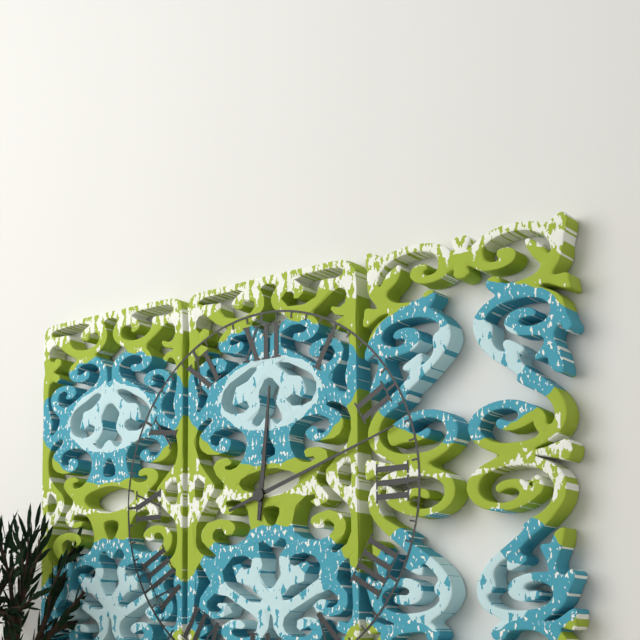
12,12
